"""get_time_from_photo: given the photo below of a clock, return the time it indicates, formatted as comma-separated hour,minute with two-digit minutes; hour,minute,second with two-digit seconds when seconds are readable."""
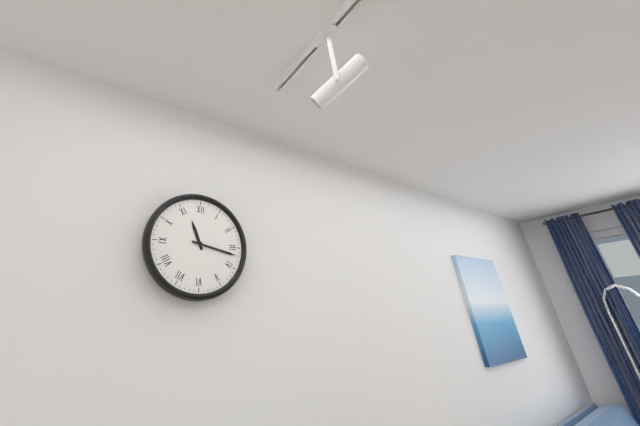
11,17
